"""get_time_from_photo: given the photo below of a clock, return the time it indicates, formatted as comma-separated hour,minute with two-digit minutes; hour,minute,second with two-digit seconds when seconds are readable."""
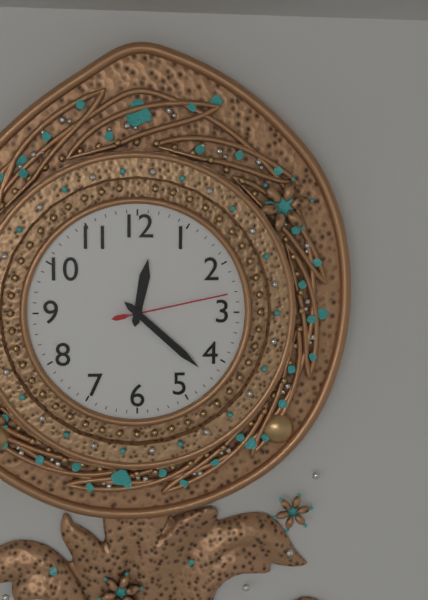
12,22,13
